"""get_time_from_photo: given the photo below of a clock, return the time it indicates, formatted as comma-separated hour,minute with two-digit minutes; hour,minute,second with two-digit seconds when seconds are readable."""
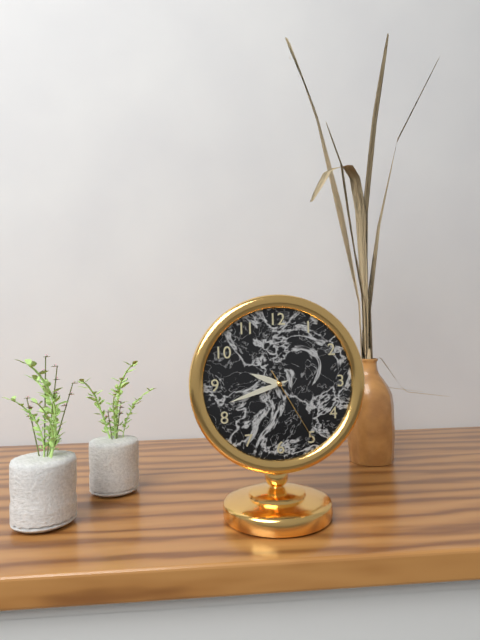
9,42,25
